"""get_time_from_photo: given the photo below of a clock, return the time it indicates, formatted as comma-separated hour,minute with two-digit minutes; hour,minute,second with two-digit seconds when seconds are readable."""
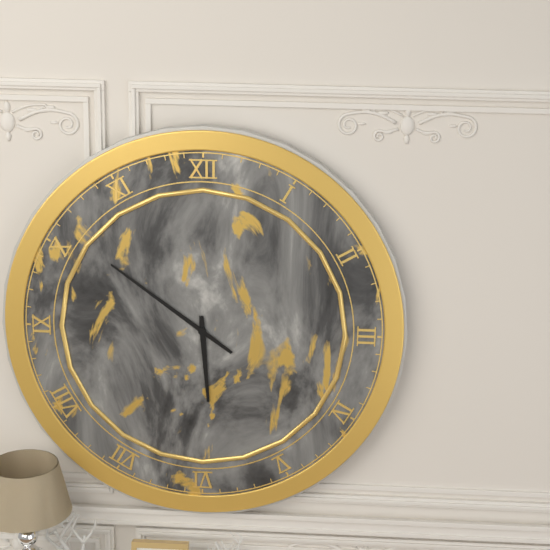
5,51
